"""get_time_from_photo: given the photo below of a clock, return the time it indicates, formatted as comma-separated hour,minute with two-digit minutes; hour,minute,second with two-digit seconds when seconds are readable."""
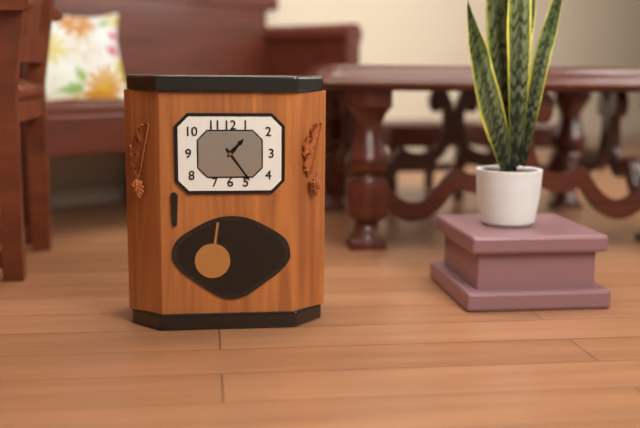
1,24
